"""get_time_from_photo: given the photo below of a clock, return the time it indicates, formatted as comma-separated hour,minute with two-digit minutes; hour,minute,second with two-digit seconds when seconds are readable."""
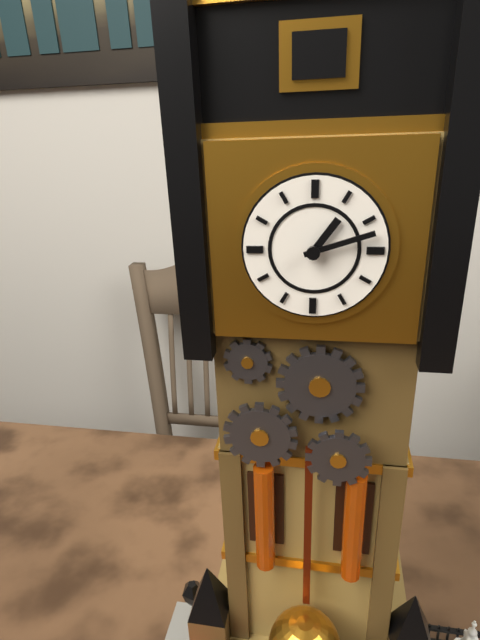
1,12
